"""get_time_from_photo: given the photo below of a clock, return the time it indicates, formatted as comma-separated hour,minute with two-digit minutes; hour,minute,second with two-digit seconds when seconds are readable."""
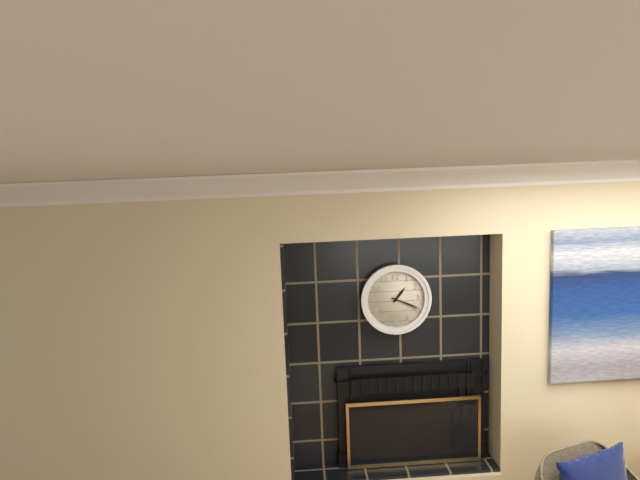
1,19
